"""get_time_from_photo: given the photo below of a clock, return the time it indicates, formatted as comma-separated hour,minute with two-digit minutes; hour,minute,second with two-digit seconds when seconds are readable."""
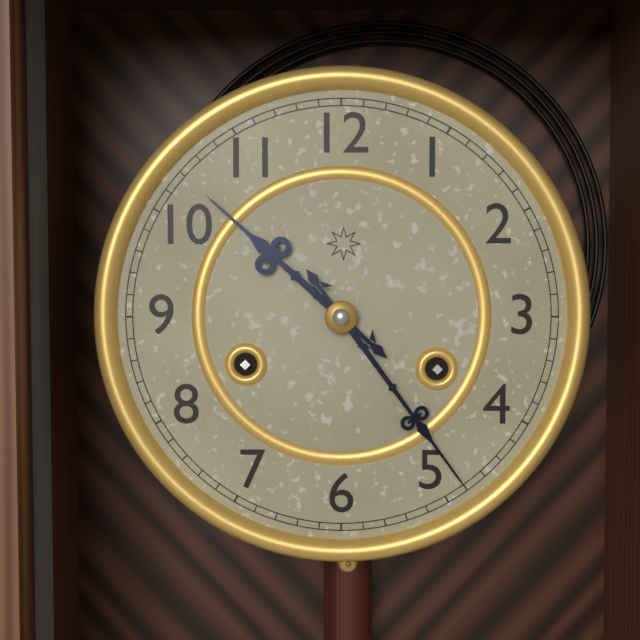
10,24
